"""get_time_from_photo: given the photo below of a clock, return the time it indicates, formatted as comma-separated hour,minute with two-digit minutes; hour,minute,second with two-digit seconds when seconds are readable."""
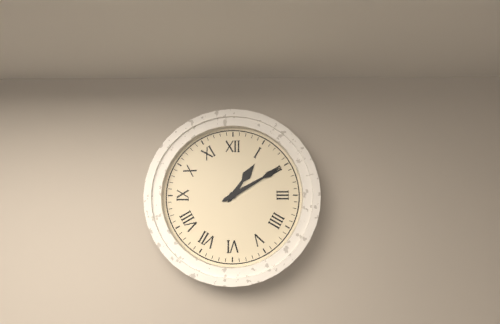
1,10
